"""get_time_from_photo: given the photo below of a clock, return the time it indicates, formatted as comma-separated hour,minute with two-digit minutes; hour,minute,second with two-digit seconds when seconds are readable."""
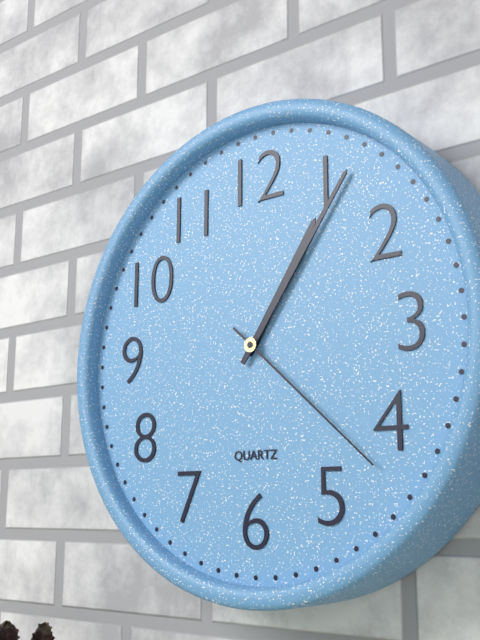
1,06,22
